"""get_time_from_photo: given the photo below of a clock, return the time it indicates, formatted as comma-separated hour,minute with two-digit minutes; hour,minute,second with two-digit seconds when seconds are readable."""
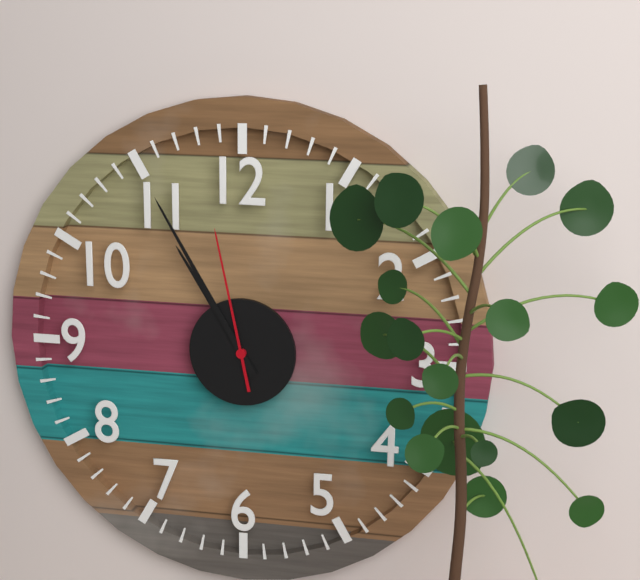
10,55,58
